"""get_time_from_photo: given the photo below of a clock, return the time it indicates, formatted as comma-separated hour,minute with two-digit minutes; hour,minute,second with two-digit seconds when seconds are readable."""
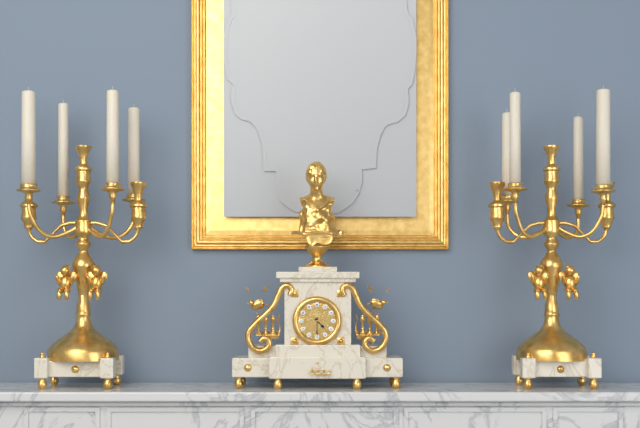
4,30
